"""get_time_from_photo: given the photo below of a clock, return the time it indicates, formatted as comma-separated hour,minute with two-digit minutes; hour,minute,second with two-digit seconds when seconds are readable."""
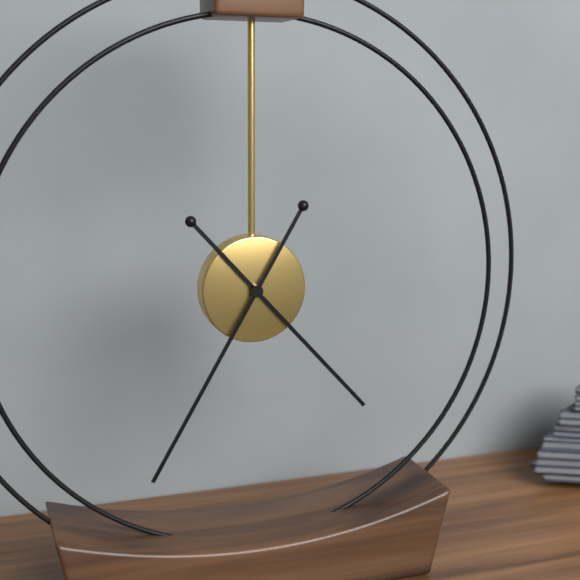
4,35
